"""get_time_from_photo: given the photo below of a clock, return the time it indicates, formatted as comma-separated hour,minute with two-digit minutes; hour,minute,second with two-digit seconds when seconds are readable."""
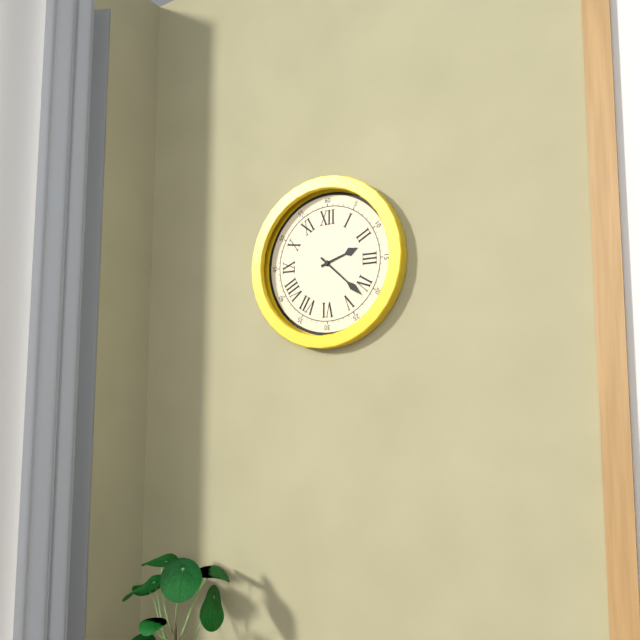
2,22
